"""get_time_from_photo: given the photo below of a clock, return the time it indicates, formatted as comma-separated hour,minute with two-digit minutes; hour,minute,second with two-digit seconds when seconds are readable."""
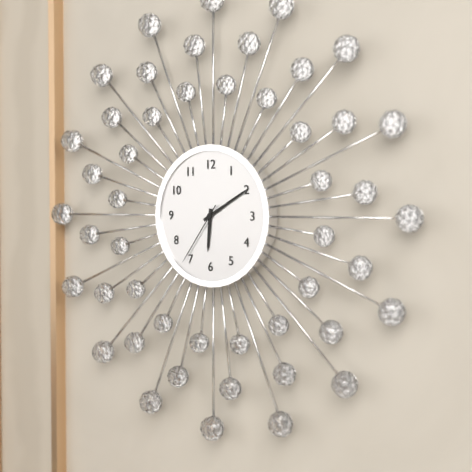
6,10,36
